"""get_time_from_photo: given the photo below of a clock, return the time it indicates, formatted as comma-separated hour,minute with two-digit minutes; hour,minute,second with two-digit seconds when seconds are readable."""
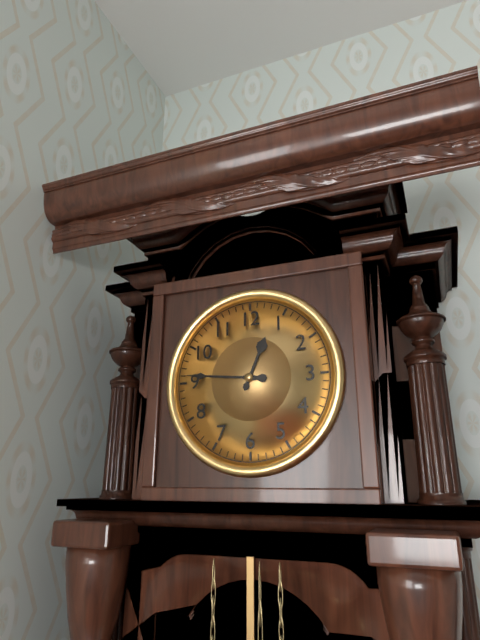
12,46
